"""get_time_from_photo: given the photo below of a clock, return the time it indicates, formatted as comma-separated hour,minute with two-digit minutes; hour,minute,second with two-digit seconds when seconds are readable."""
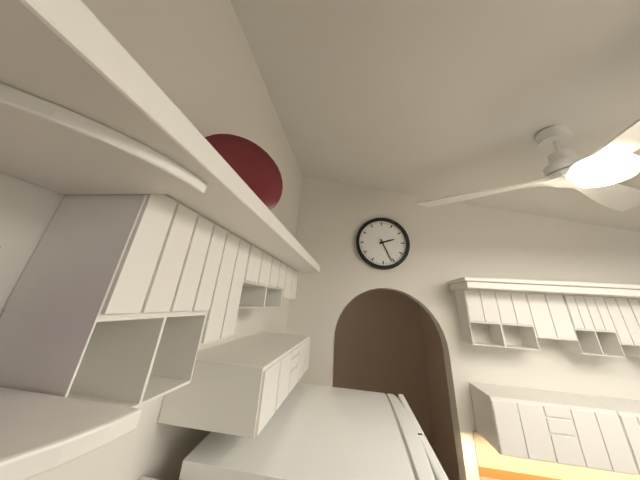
2,26
